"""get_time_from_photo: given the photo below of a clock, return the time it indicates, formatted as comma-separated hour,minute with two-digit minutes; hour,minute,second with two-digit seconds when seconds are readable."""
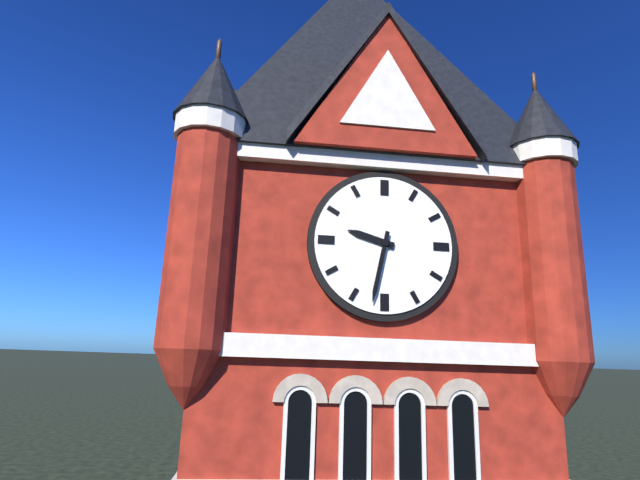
9,32
